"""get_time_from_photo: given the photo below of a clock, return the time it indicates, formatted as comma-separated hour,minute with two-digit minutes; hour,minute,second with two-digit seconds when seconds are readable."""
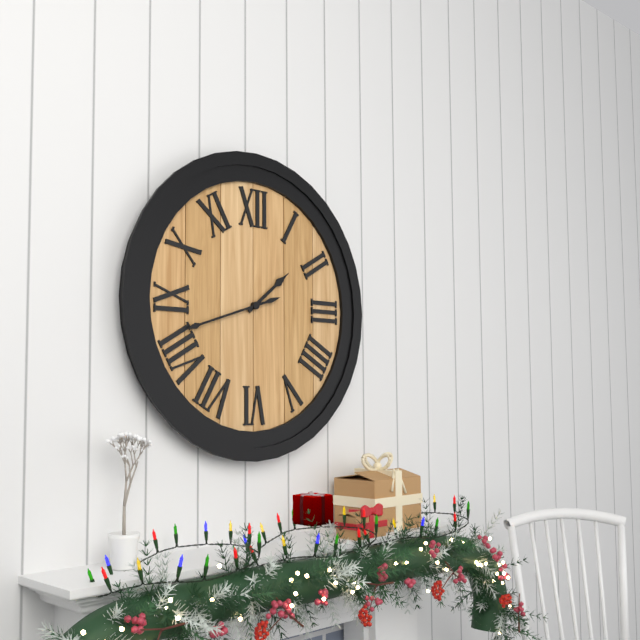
1,42
